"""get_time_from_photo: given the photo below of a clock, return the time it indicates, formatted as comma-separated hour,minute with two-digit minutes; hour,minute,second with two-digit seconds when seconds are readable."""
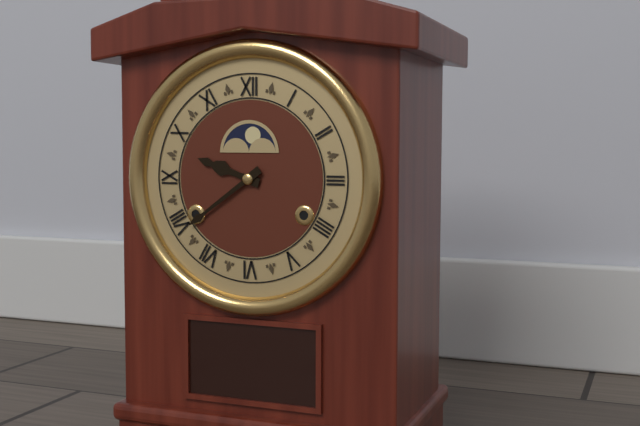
9,39
